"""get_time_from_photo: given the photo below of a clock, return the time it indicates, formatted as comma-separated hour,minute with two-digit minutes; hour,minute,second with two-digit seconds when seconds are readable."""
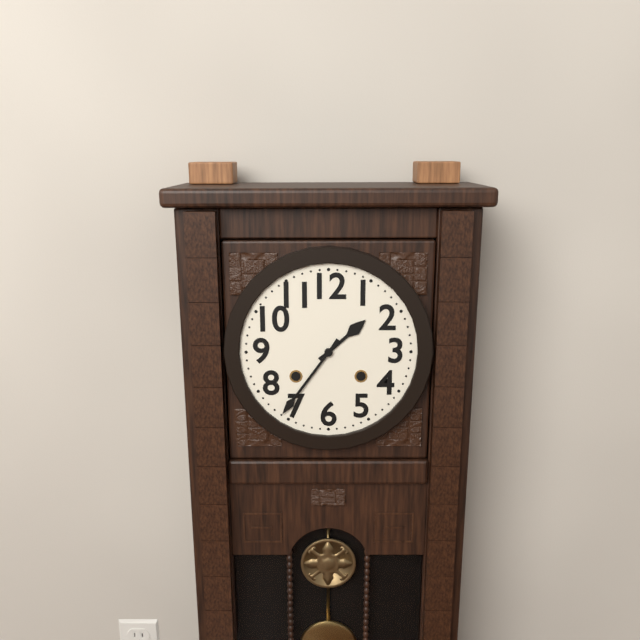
1,36
